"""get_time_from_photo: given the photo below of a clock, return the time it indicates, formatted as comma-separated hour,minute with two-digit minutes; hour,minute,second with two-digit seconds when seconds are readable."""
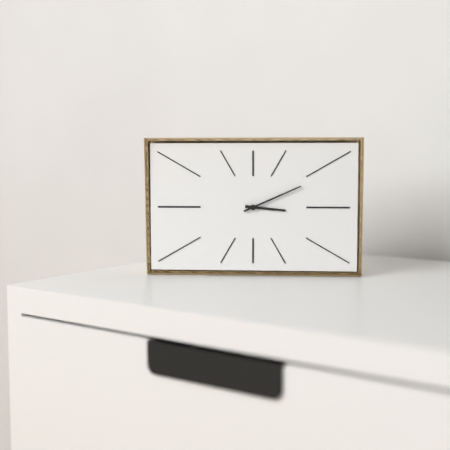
3,11
